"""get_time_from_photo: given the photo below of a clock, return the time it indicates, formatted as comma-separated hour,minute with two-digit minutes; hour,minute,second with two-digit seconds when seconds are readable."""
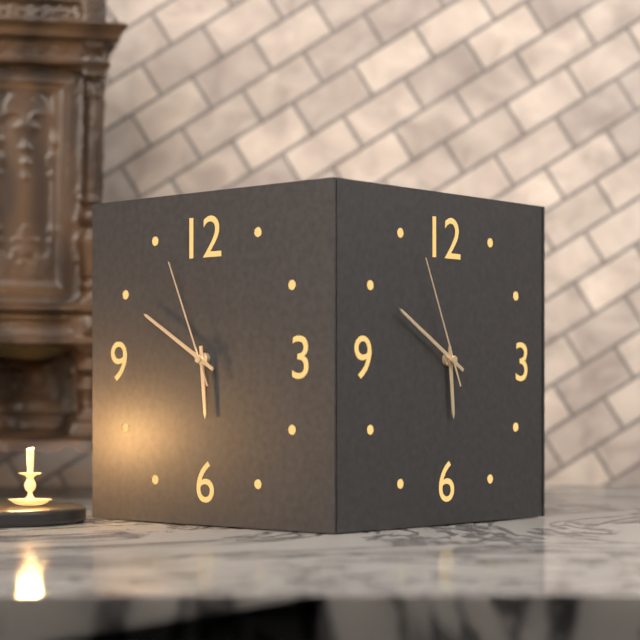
5,50,56
